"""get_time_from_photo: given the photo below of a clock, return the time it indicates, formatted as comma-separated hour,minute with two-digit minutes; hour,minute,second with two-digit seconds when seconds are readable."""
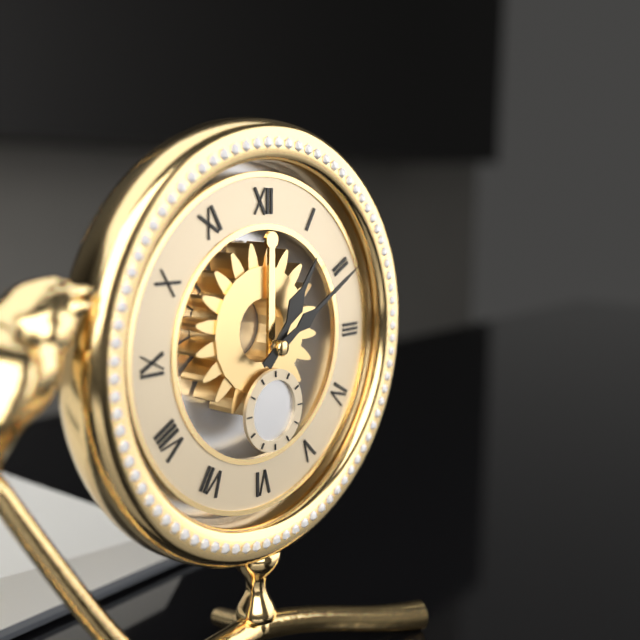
1,10
